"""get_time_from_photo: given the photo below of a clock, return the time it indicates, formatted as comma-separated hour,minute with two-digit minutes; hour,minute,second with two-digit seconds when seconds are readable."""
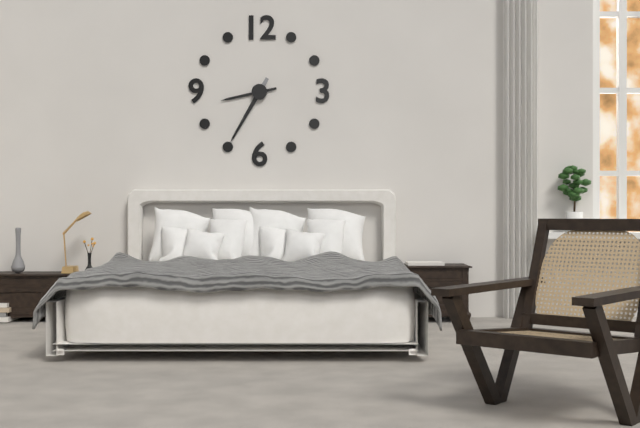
8,35
